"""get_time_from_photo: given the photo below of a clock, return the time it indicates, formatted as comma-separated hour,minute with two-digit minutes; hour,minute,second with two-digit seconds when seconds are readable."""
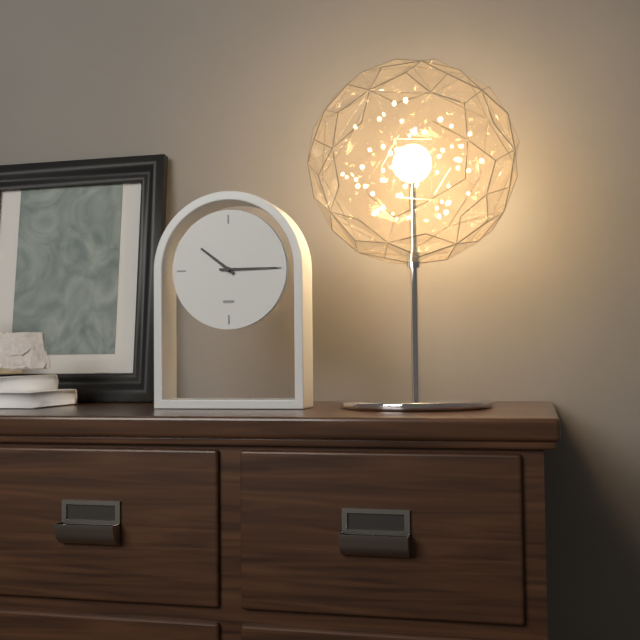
10,15
